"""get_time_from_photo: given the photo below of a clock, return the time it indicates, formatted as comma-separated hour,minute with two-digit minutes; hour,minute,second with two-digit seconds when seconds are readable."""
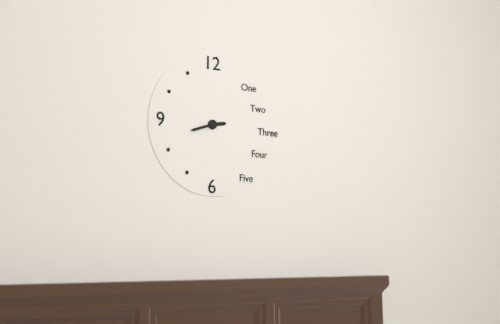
2,42
